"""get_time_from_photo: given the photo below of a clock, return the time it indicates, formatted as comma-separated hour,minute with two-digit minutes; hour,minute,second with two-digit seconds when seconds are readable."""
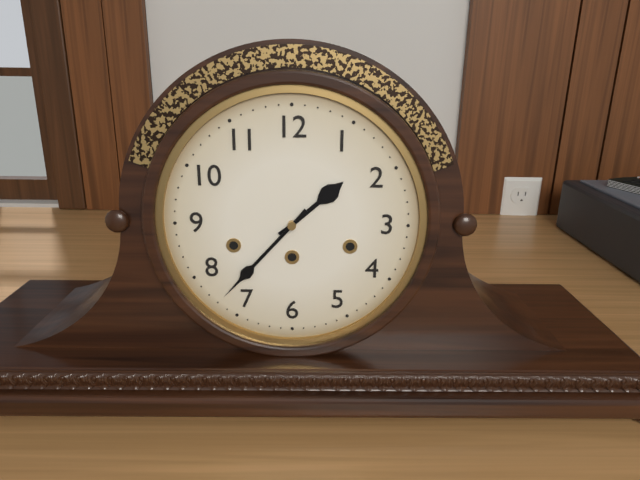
1,37
